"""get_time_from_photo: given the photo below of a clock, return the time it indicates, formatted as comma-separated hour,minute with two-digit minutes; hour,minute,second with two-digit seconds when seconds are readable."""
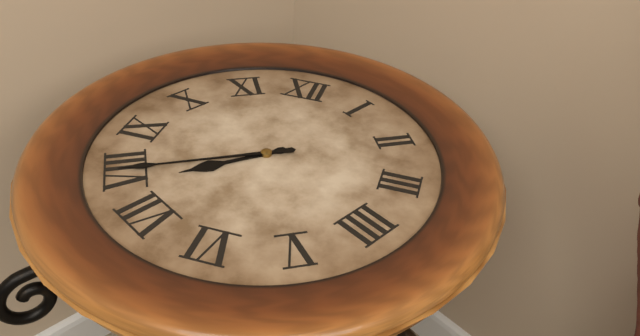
7,40
